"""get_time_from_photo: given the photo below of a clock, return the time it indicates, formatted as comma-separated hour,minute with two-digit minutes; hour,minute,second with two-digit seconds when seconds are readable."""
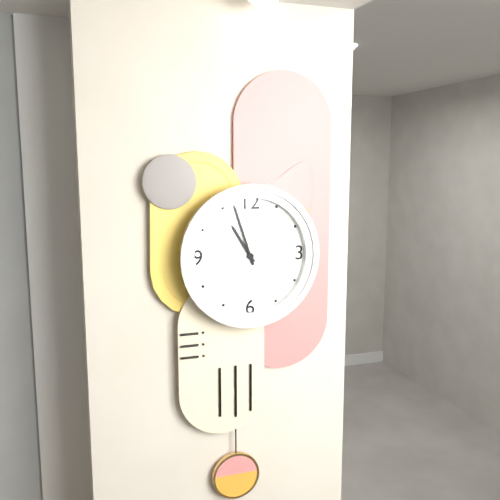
10,57
